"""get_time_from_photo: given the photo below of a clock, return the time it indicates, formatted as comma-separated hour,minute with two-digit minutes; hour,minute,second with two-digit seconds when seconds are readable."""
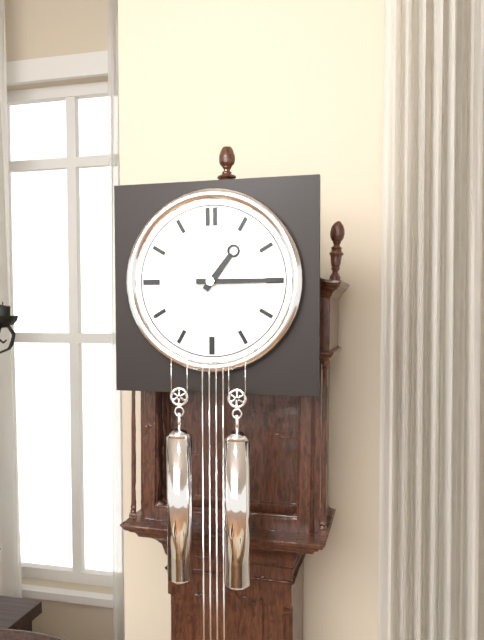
1,15
